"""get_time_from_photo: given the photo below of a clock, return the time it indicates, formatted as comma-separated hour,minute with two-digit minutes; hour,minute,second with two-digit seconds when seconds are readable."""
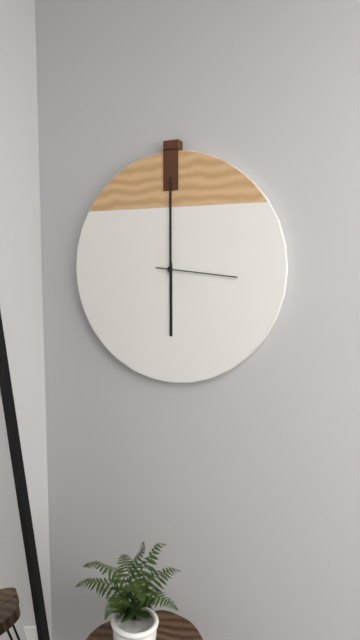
6,00,16
